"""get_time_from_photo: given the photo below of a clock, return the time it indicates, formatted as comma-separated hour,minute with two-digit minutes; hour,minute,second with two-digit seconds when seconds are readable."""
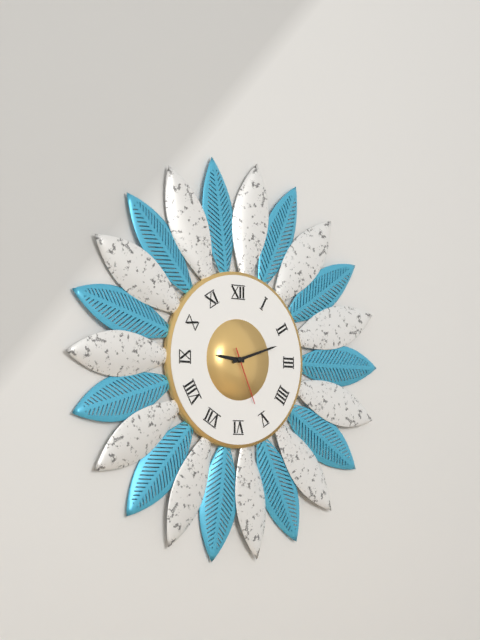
9,12,26
